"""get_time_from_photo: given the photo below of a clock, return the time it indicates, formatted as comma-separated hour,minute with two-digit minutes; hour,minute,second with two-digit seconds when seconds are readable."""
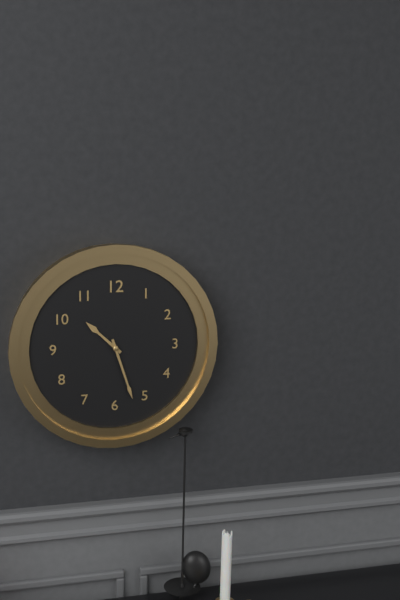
10,27
